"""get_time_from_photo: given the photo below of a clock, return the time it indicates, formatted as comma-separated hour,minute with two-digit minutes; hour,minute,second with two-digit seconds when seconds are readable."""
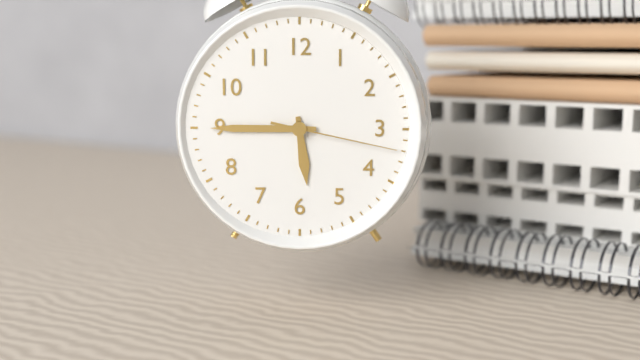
5,45,17
